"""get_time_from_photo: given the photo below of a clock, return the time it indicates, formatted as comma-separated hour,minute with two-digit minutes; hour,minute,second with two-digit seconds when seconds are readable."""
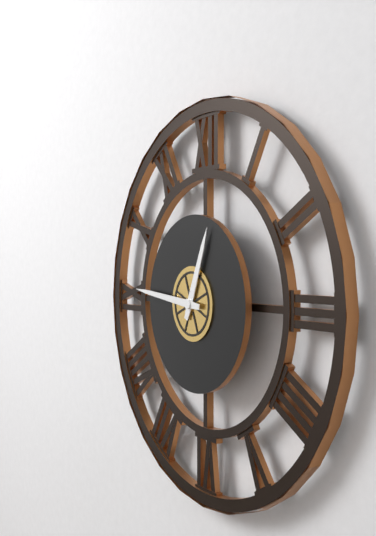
12,46
